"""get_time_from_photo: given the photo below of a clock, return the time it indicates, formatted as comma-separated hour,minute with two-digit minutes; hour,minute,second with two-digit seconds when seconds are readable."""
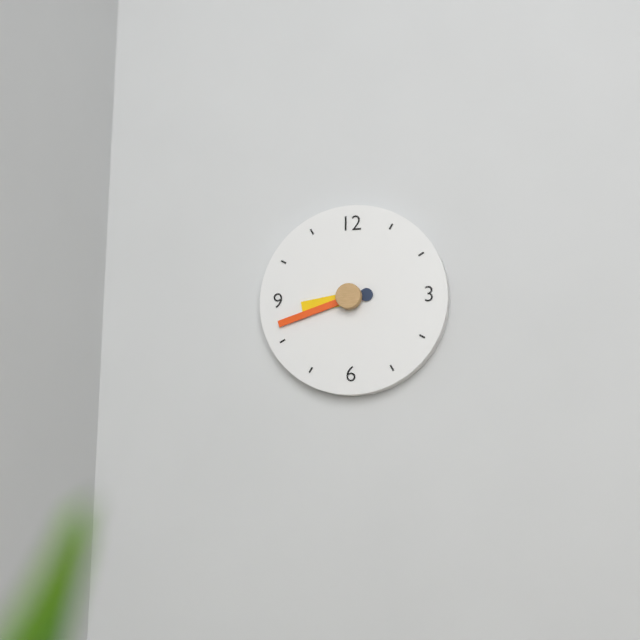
8,42
